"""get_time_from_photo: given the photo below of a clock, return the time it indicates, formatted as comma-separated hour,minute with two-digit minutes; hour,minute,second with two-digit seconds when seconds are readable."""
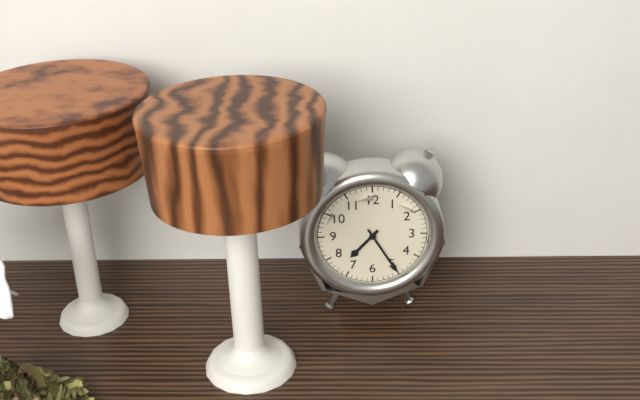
7,25
